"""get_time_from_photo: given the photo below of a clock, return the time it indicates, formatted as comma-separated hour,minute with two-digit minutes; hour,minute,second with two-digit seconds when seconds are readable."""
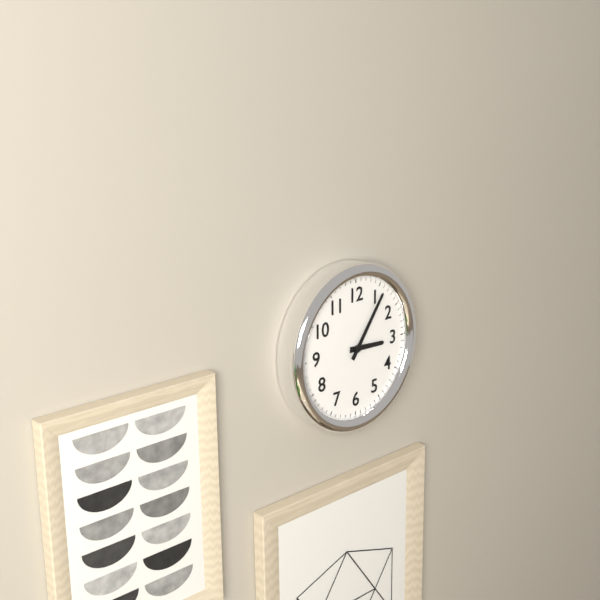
3,06
